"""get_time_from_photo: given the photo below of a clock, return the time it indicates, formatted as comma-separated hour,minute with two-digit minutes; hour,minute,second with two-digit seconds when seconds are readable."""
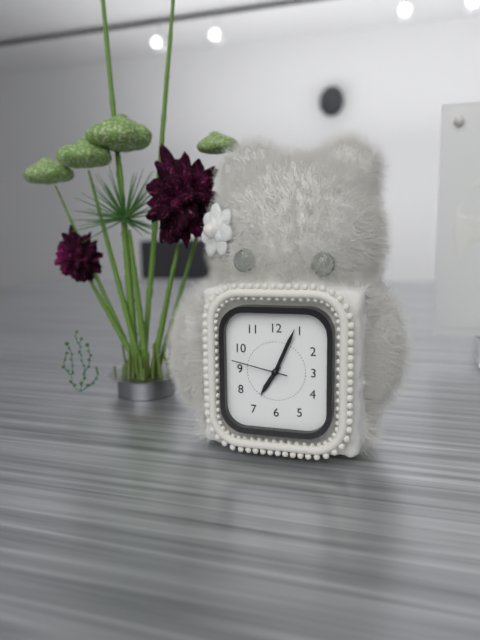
7,04,47
